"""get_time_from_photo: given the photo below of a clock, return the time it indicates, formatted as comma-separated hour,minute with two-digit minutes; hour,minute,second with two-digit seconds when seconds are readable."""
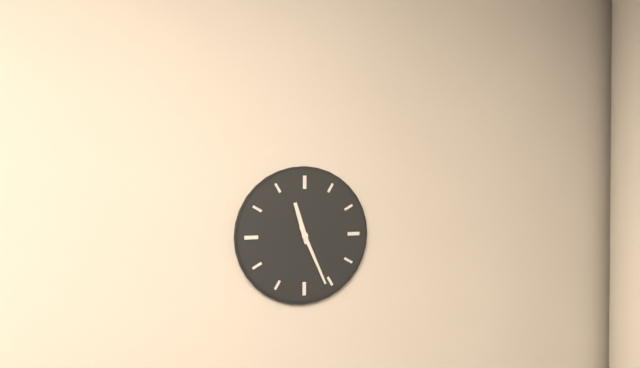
11,26
